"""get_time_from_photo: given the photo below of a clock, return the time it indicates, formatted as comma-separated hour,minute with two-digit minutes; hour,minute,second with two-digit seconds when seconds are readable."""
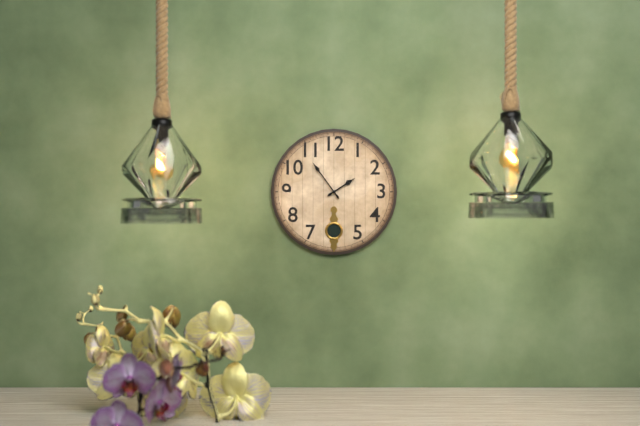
1,54
